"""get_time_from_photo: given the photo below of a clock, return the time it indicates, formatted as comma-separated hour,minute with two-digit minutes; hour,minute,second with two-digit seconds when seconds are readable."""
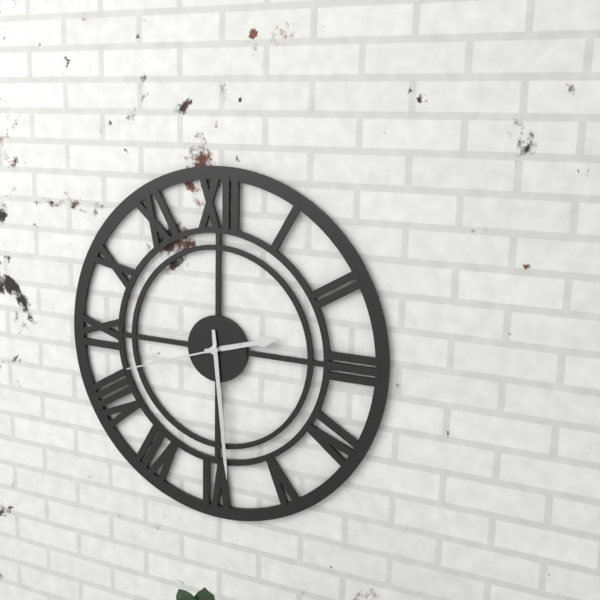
2,29,42
